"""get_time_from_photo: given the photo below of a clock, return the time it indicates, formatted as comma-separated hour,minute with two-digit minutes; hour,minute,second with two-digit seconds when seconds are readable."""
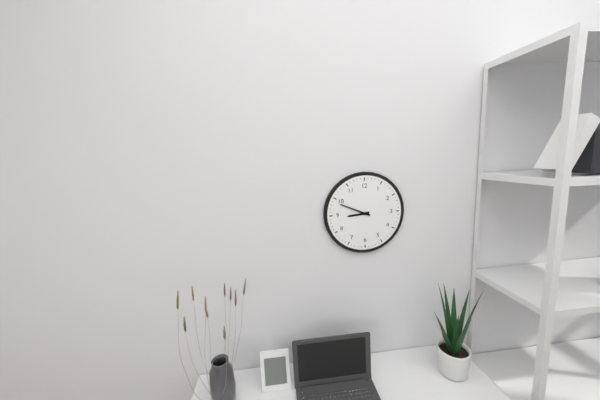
8,49
